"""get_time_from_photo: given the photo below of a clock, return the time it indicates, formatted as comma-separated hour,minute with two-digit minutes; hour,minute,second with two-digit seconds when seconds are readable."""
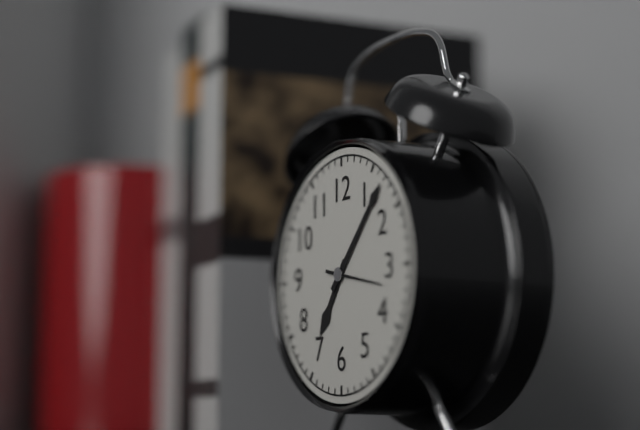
7,07
